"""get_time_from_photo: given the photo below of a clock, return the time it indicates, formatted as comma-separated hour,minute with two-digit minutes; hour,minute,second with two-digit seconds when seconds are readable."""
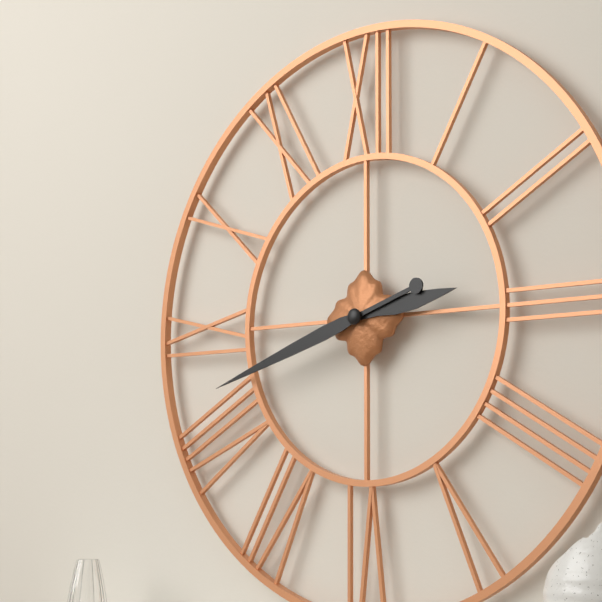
2,42
